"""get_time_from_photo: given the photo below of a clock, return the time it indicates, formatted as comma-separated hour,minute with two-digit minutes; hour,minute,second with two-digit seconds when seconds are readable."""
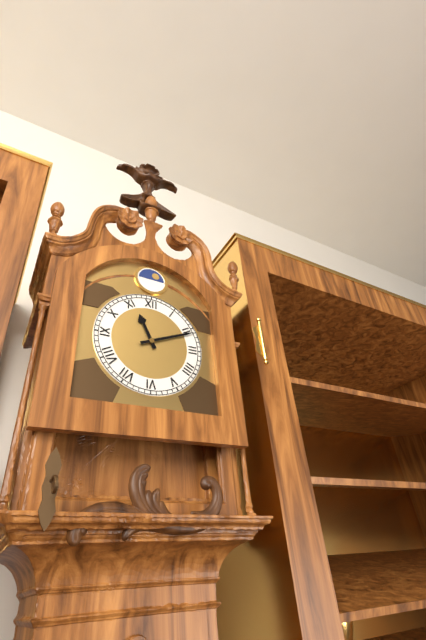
11,11
